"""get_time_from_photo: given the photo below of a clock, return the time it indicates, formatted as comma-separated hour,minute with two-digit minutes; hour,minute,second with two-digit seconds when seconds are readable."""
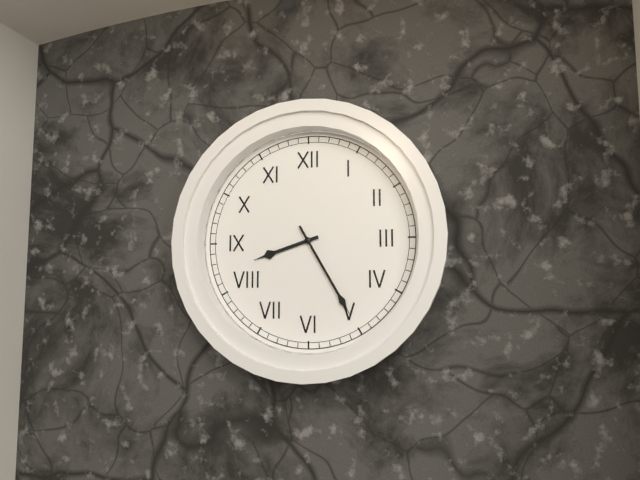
8,25
